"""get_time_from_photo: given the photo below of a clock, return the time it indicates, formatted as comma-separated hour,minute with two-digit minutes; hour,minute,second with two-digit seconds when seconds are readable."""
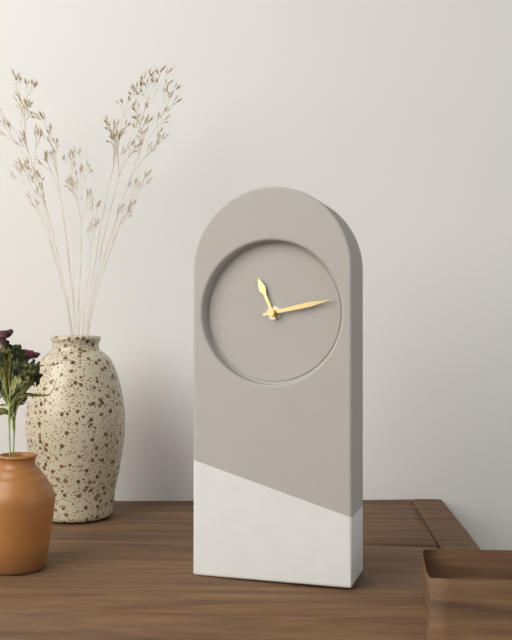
11,13
